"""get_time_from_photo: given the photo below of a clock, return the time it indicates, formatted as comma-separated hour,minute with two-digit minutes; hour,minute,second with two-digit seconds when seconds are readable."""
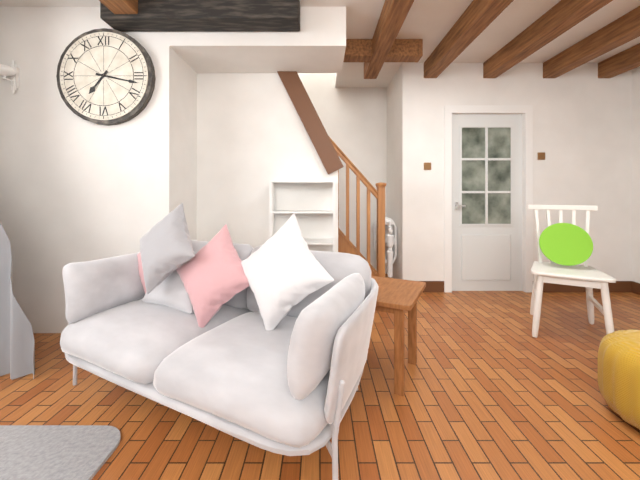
7,17
